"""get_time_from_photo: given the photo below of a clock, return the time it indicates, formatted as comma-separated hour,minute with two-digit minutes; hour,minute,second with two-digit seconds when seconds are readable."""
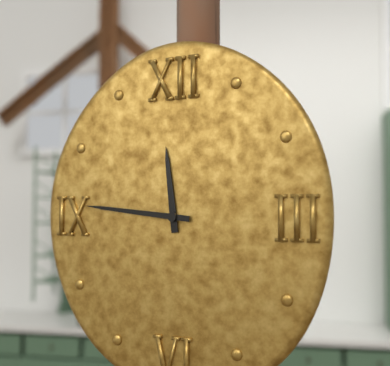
11,46
